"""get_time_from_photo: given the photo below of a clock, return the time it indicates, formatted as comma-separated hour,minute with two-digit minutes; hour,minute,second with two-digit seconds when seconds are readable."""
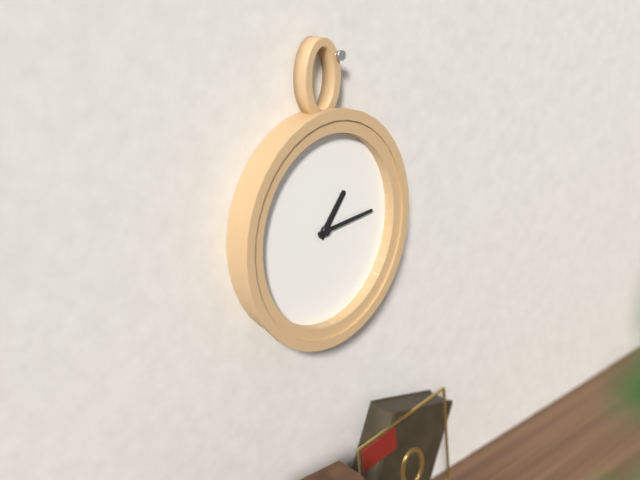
1,14
